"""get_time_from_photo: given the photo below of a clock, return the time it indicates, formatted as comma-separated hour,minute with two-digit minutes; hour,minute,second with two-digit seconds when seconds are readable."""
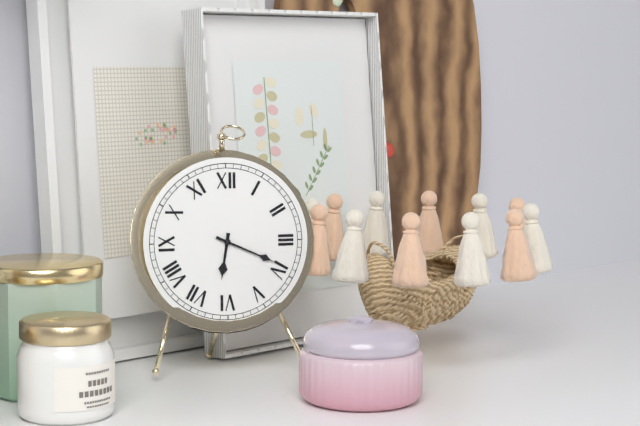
6,19
